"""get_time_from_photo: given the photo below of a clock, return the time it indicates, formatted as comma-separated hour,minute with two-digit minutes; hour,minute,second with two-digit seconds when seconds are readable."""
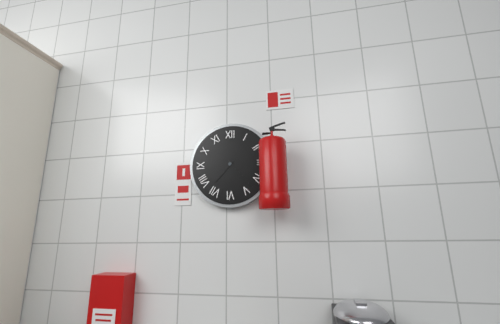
7,23
